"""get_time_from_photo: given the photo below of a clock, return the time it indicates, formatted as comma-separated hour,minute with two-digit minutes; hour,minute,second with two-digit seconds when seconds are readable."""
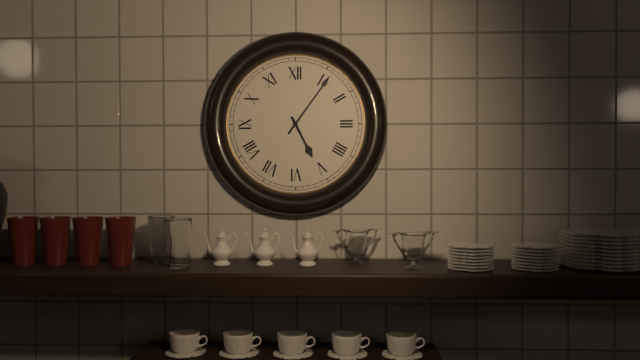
5,06
